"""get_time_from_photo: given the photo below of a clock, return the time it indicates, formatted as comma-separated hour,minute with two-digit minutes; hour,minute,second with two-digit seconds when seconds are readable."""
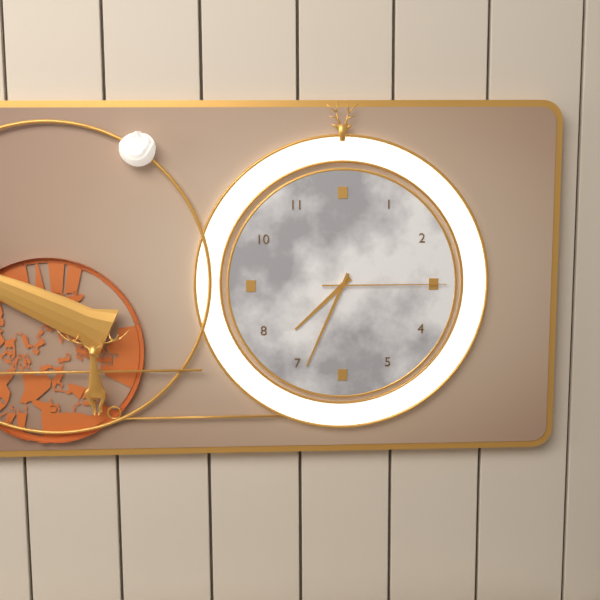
7,34,15
